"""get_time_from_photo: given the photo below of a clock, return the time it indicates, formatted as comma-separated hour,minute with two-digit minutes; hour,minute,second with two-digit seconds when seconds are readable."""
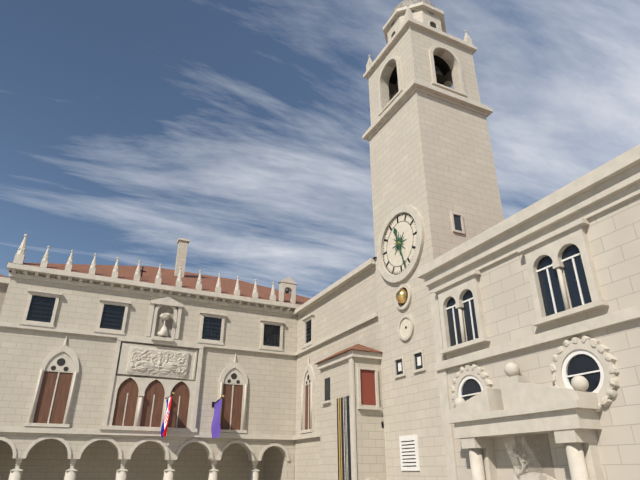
11,27
